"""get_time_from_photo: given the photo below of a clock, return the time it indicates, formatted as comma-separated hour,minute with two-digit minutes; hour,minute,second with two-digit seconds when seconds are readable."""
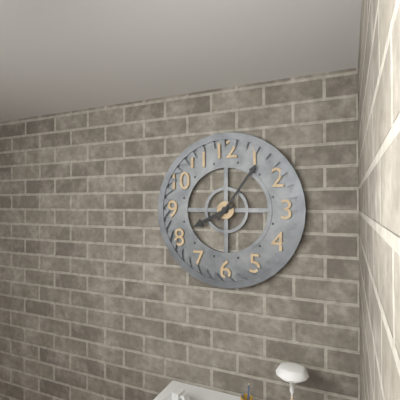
8,06
